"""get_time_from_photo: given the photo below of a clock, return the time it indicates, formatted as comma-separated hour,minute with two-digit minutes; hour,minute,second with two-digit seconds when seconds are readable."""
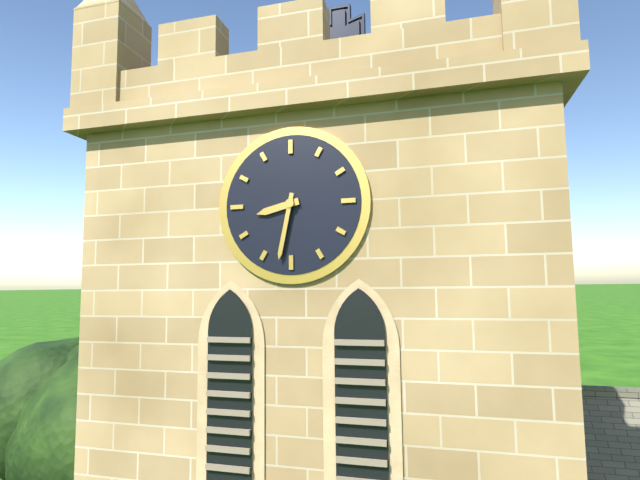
8,32
